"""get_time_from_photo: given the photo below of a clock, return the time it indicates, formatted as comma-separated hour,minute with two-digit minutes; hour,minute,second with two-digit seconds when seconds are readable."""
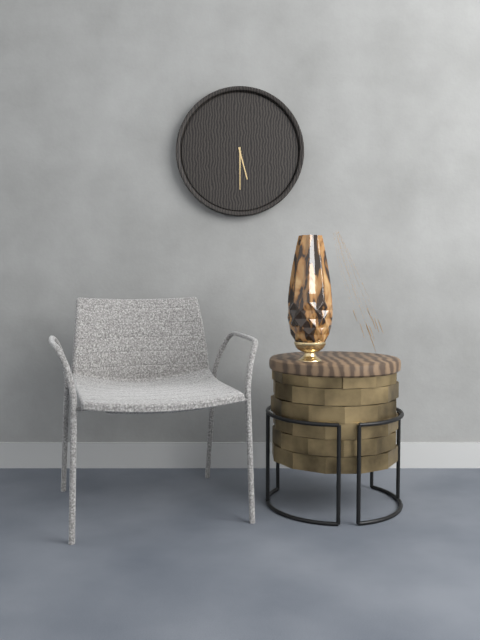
5,30
